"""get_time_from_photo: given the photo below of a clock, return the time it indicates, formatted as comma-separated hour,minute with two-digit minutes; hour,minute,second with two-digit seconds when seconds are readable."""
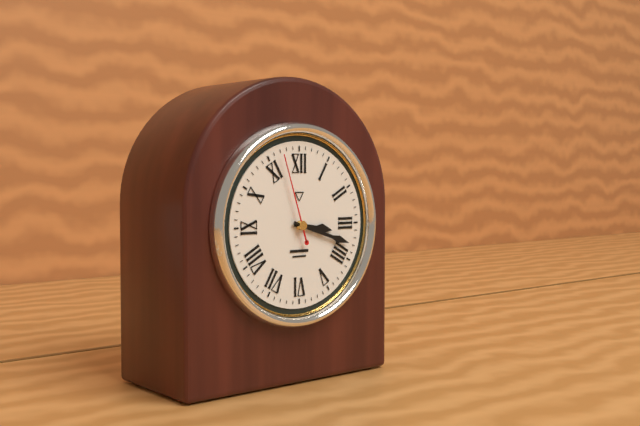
3,18,57
